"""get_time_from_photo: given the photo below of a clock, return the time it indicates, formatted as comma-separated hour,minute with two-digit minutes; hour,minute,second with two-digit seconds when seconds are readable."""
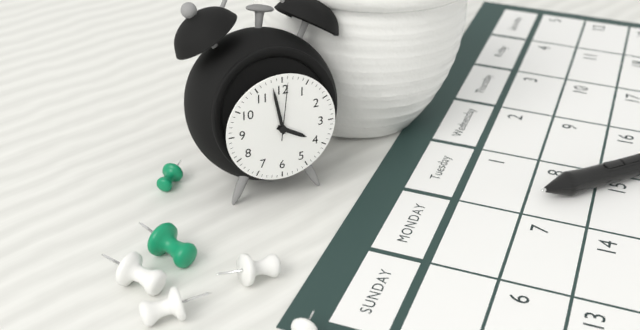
3,58,01
